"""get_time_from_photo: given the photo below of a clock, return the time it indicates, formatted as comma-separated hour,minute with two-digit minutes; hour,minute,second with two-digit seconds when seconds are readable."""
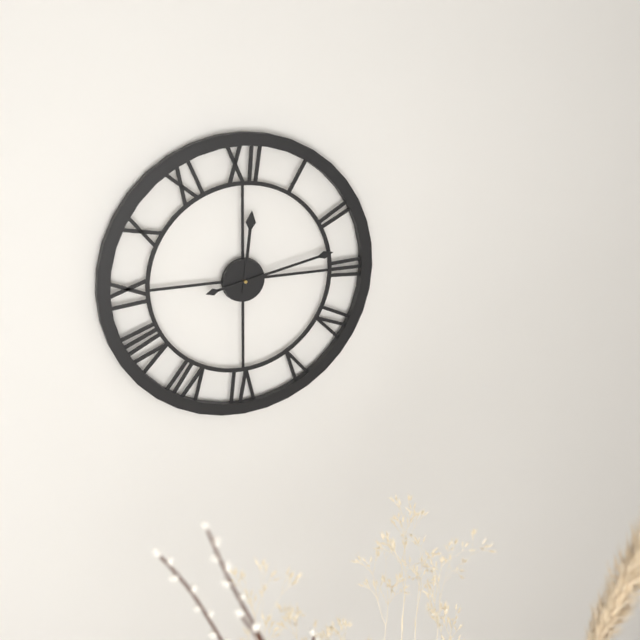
12,13
